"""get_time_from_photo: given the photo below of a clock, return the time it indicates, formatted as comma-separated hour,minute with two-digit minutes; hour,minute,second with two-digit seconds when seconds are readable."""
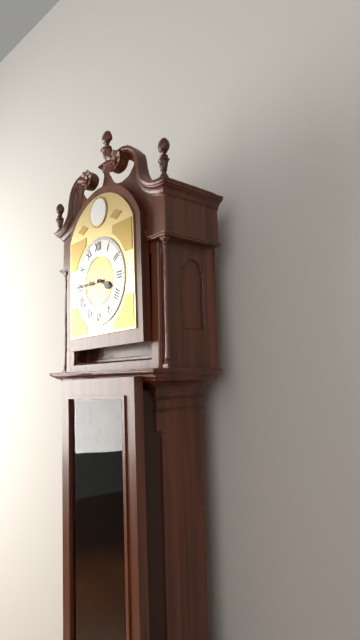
3,45
